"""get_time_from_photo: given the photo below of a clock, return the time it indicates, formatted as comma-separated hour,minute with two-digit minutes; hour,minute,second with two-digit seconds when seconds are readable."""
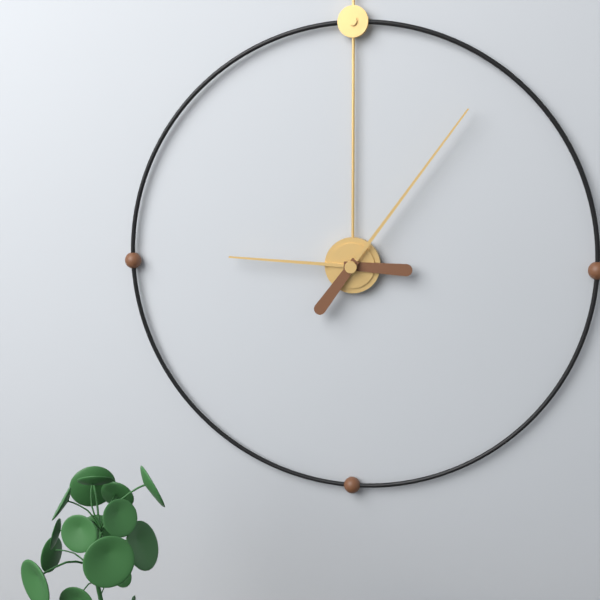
9,06
